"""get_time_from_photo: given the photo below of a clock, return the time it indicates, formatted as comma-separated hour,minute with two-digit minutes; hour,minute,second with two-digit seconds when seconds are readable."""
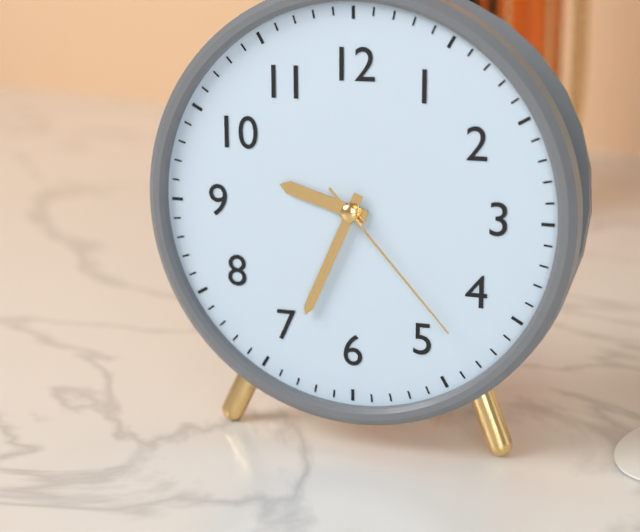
9,34,23
